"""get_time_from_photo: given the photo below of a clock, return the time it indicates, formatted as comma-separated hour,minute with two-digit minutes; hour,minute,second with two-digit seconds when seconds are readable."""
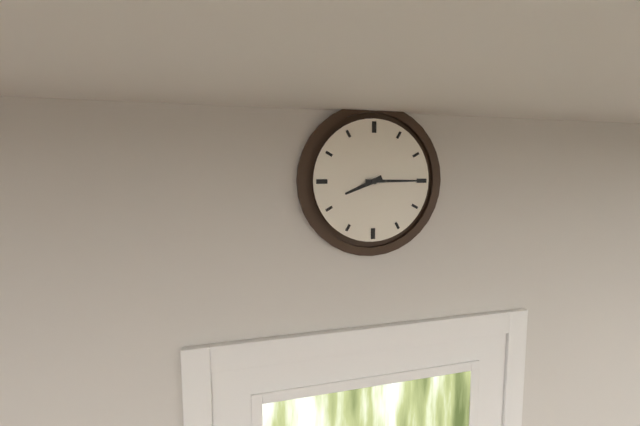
8,15
